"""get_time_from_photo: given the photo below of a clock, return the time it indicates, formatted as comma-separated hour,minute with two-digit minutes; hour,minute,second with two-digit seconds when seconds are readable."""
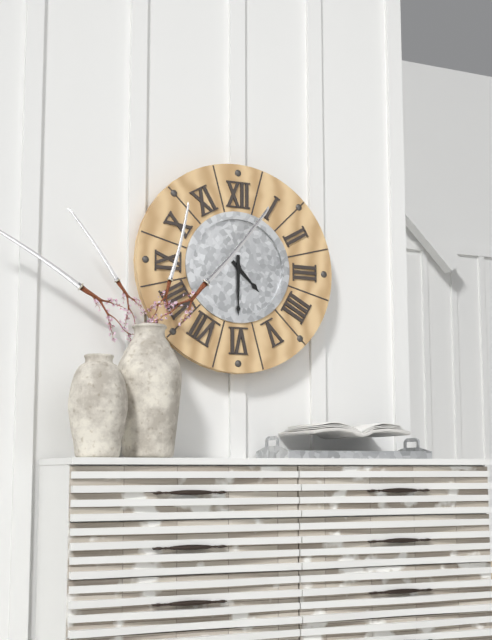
4,30
